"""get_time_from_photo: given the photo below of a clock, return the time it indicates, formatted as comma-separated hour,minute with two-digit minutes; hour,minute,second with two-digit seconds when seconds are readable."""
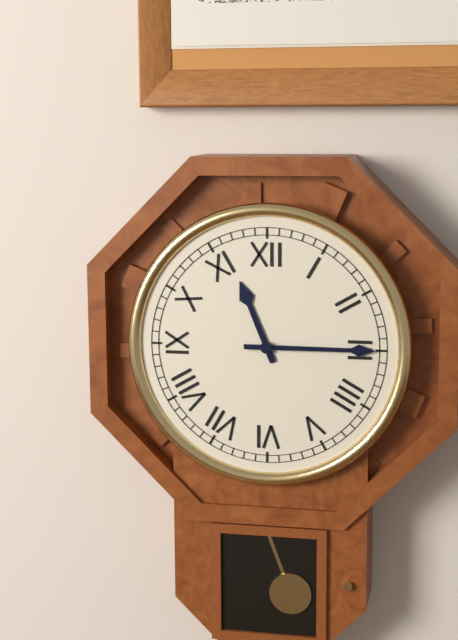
11,15
